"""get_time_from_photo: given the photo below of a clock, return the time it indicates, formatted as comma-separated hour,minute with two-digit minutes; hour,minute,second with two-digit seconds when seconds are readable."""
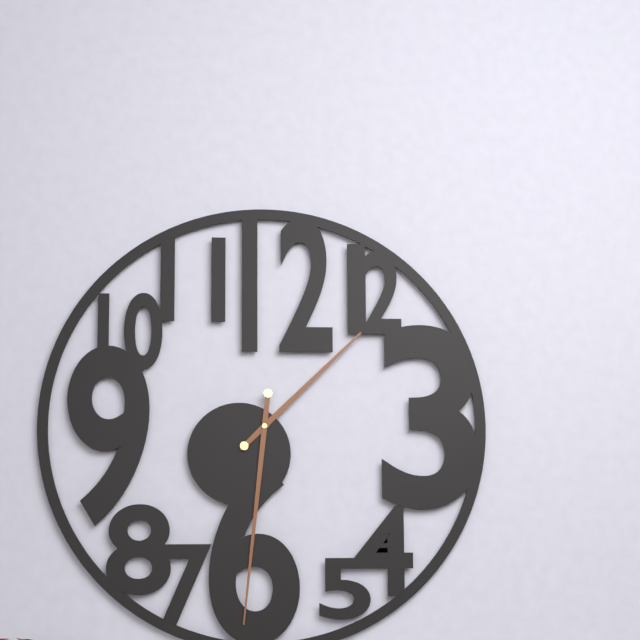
1,31
